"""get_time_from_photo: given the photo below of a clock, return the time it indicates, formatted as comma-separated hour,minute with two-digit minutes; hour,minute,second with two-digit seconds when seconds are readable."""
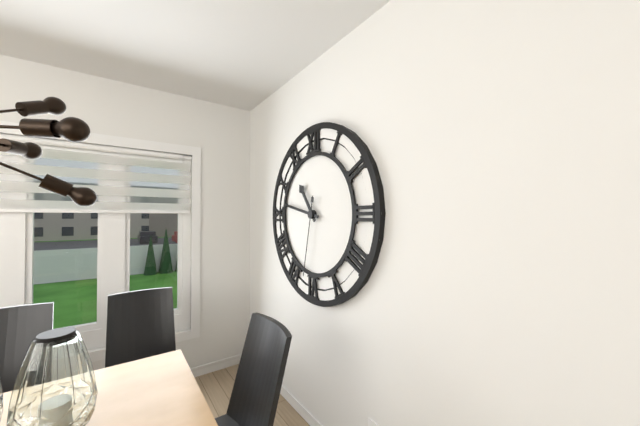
10,47,32
